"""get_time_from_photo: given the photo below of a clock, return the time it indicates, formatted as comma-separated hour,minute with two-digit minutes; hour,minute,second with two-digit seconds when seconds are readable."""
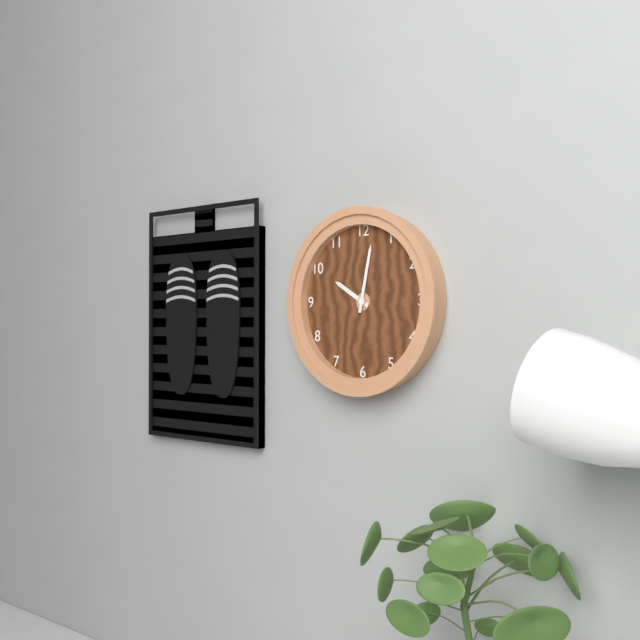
10,02
